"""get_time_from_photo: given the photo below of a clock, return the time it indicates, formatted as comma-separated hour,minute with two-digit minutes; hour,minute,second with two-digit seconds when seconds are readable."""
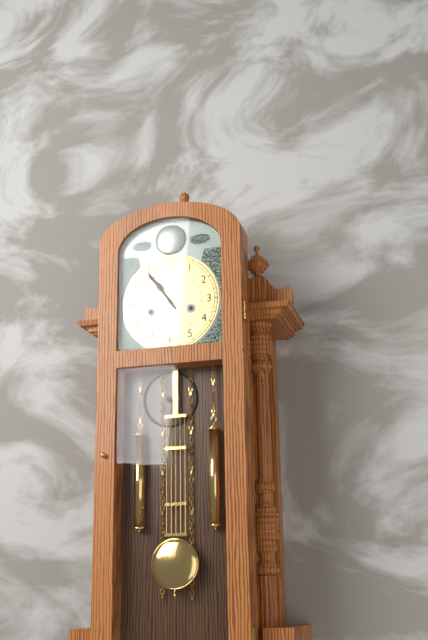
10,54
